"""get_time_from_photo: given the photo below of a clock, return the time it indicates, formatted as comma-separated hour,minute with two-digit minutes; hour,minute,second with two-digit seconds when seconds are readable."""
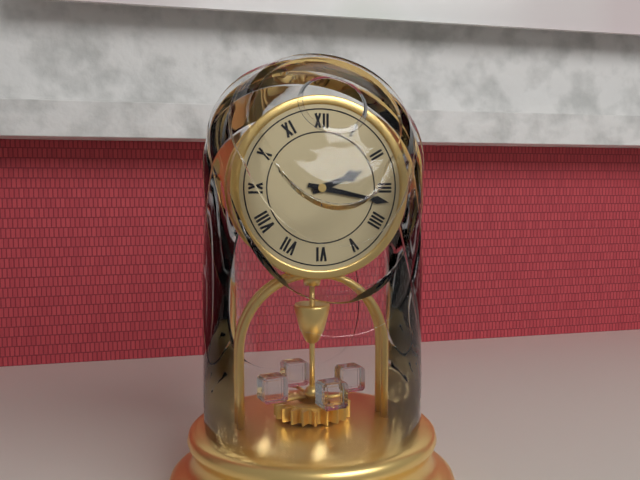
2,17
